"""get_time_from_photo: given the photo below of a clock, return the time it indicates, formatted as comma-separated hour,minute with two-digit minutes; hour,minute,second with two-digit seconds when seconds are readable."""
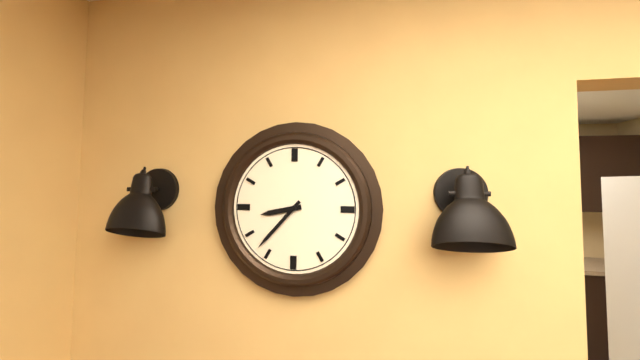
8,37
